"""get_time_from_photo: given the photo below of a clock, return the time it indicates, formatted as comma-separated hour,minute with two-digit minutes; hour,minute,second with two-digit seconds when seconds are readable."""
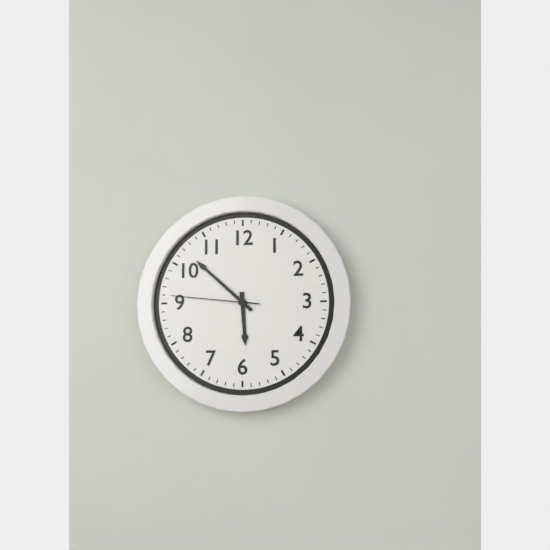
5,52,46
